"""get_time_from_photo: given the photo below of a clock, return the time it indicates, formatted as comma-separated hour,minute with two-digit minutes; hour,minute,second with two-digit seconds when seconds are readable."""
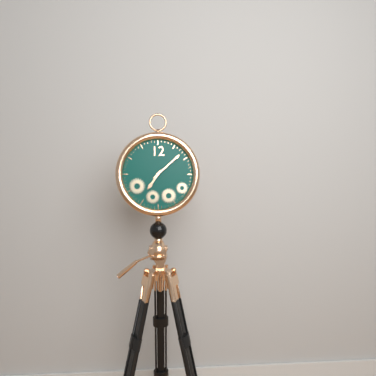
7,08
